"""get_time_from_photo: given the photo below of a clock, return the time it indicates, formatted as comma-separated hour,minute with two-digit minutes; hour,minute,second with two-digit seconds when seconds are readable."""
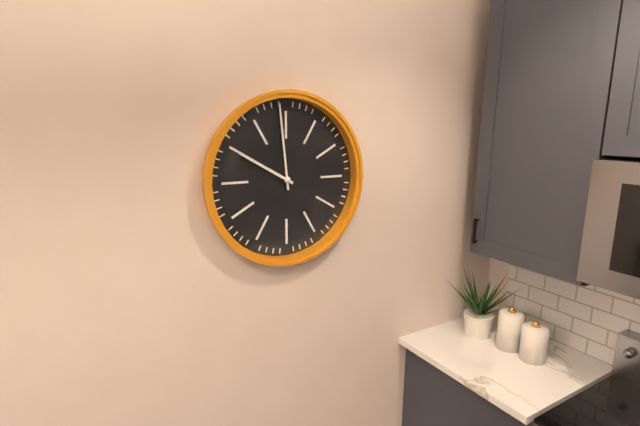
9,59
